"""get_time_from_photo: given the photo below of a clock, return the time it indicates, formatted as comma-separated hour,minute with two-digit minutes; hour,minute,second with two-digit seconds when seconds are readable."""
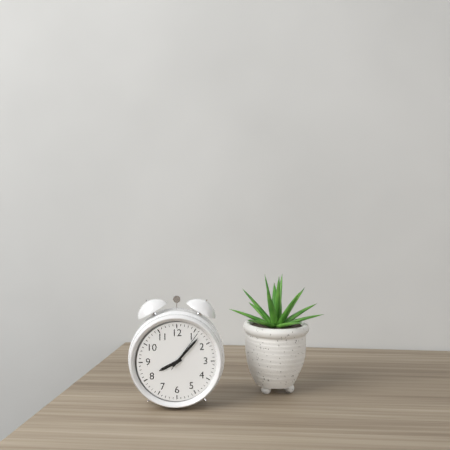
8,07
